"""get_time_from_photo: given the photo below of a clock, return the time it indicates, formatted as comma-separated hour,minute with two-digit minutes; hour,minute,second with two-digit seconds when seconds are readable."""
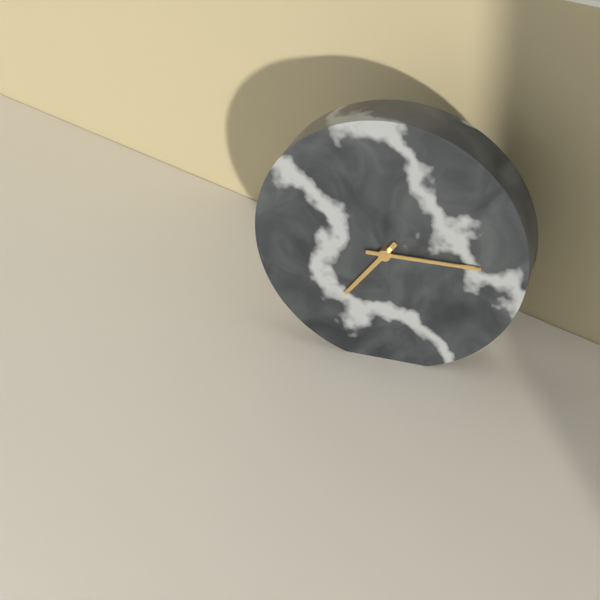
7,15
